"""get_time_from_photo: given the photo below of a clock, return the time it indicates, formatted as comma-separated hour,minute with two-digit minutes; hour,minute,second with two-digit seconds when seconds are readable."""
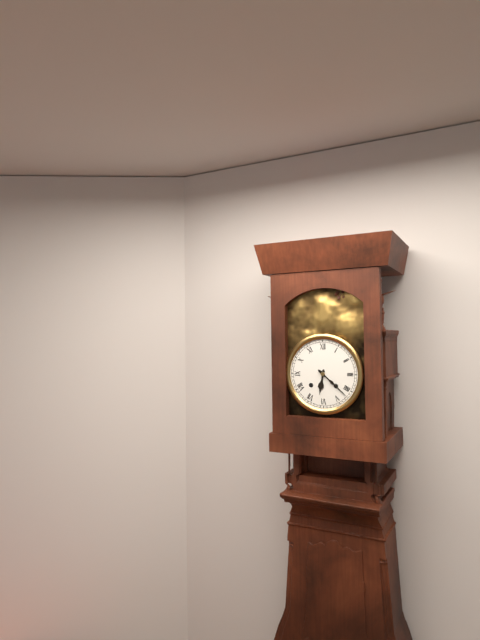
6,22
